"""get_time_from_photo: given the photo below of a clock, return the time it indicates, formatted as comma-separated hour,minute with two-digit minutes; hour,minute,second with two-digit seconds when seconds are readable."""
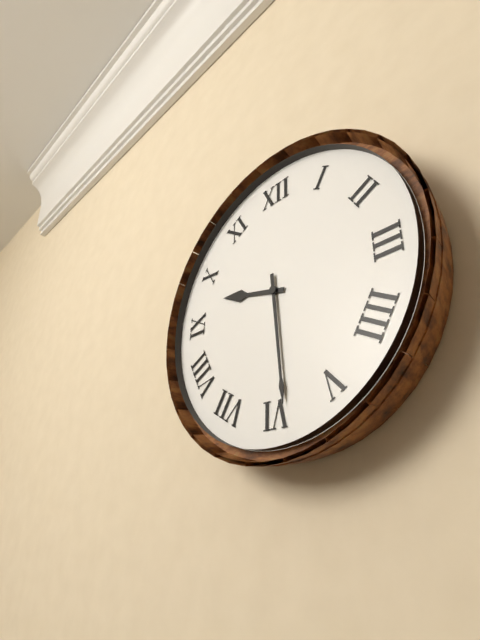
9,29
